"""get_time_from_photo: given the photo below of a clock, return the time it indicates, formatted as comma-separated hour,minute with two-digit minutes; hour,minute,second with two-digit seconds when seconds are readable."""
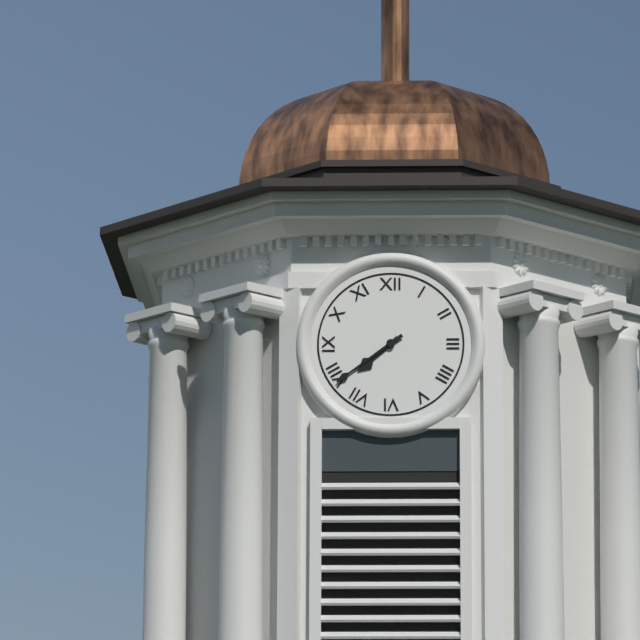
7,39
